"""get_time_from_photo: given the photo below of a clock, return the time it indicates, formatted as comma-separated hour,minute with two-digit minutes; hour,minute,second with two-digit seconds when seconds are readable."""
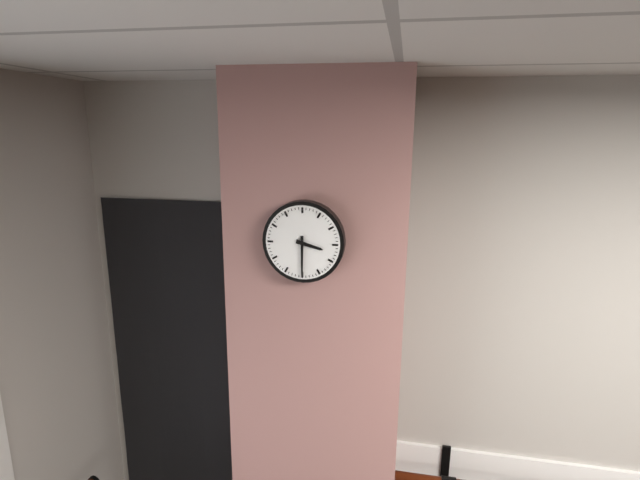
3,30
